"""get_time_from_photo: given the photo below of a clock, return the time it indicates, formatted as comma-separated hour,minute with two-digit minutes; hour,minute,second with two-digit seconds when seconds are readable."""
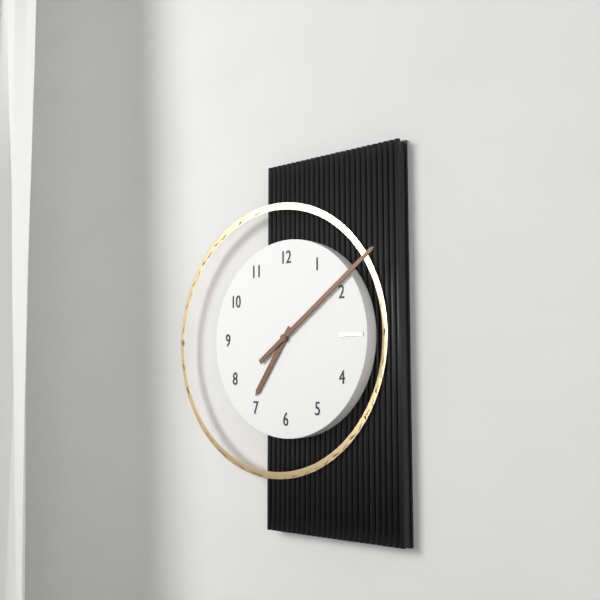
7,09
